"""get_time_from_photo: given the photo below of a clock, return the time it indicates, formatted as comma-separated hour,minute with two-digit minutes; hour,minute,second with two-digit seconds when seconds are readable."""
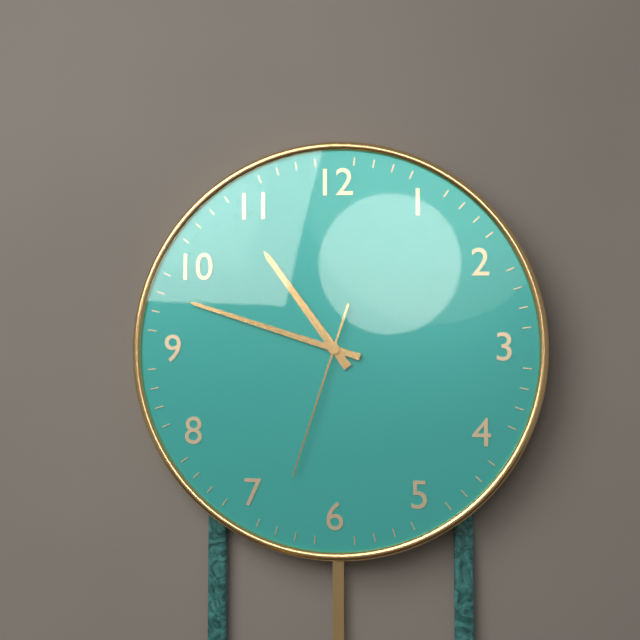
10,48,33
